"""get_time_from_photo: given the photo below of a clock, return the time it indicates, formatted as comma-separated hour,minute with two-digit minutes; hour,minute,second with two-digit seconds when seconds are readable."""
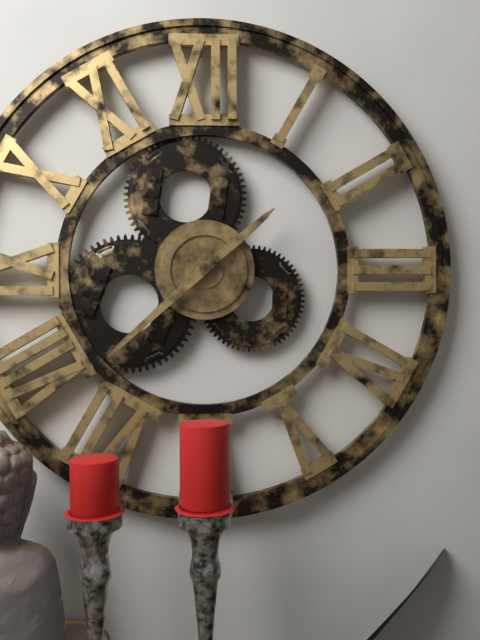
1,38
